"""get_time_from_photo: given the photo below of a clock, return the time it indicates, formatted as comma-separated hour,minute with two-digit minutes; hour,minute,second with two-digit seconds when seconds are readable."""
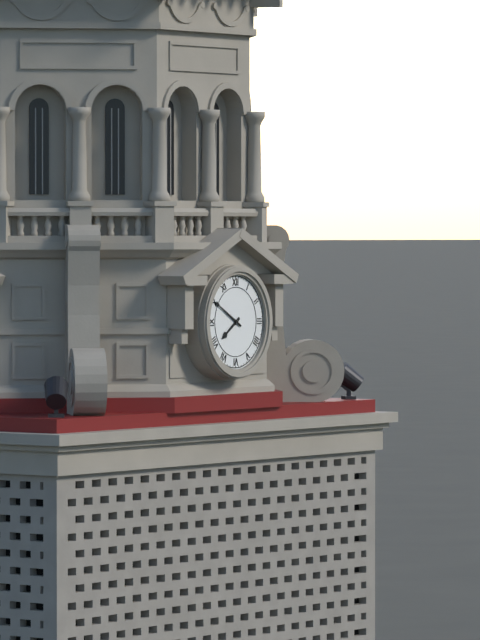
7,50
